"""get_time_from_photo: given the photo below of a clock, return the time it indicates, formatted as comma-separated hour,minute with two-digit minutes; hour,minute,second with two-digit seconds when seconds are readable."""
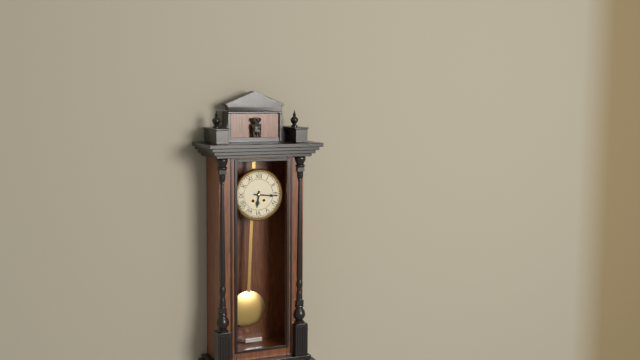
6,16
